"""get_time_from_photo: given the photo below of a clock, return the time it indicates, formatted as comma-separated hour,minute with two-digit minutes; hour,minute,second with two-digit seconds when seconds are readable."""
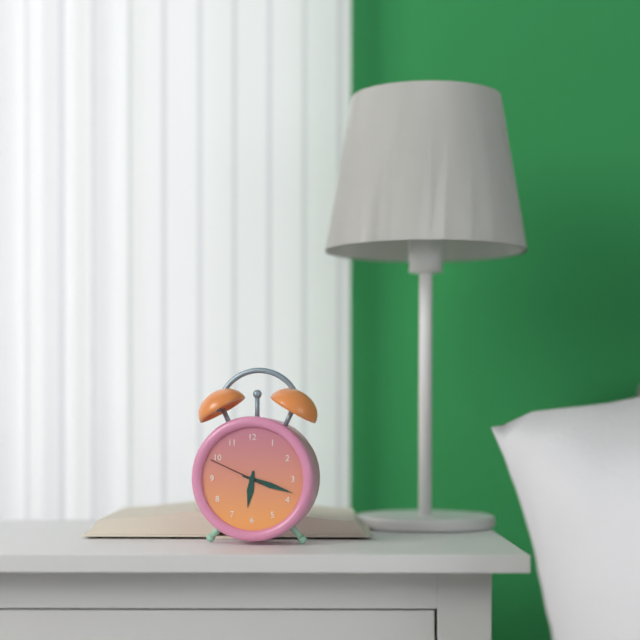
6,18,49
